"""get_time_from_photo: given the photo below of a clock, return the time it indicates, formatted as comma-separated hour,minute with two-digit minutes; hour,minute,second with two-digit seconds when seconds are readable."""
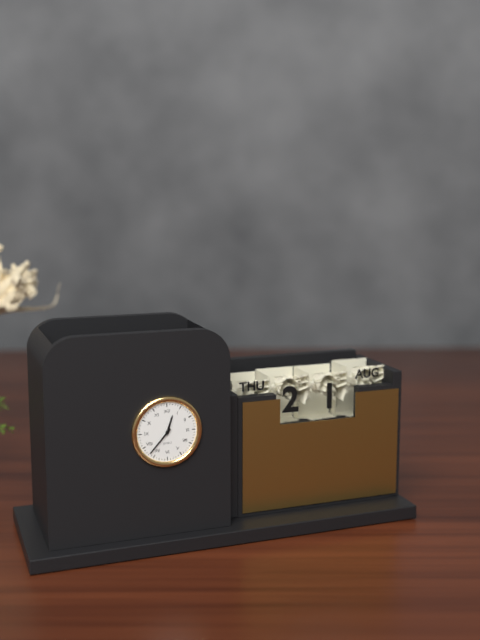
12,37
